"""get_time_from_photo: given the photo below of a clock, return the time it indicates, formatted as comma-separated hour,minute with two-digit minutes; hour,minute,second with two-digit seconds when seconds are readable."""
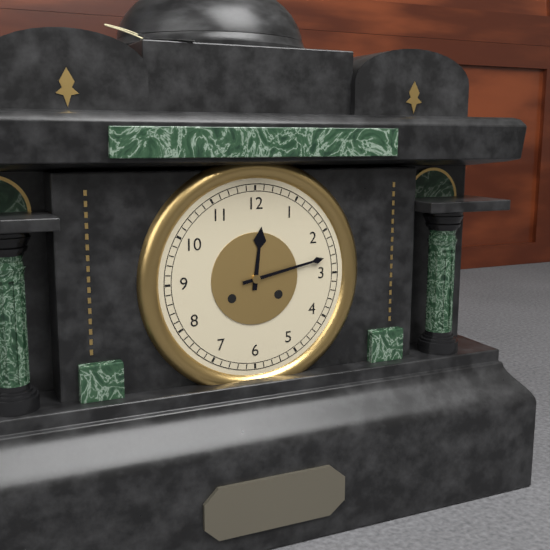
12,13
